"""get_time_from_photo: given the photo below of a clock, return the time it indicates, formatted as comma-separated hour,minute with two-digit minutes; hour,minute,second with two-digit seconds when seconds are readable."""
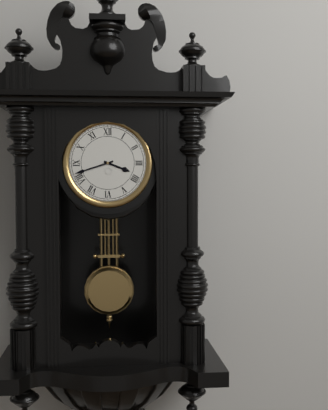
3,42
